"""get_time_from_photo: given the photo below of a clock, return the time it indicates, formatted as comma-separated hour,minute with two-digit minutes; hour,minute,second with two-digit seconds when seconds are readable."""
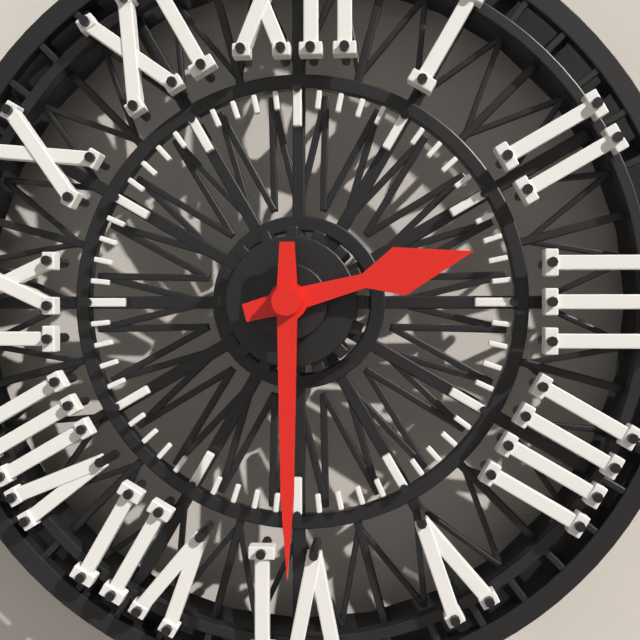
2,30
